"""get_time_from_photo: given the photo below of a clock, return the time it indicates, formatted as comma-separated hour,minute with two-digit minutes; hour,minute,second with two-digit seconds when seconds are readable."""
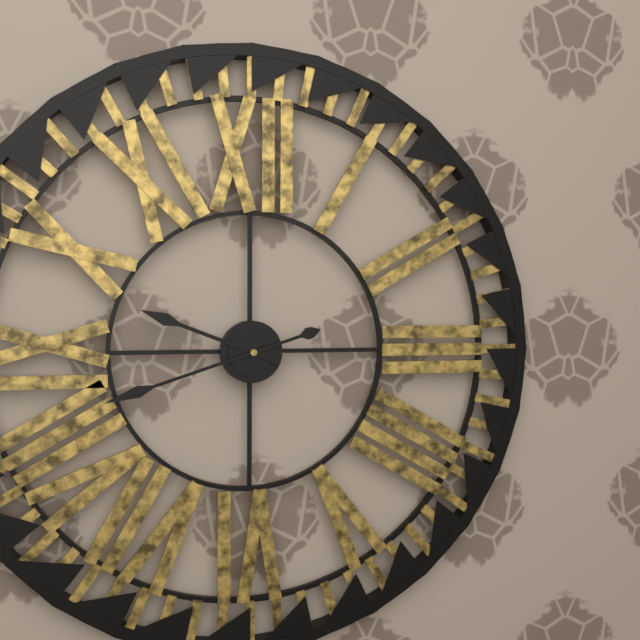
9,42
